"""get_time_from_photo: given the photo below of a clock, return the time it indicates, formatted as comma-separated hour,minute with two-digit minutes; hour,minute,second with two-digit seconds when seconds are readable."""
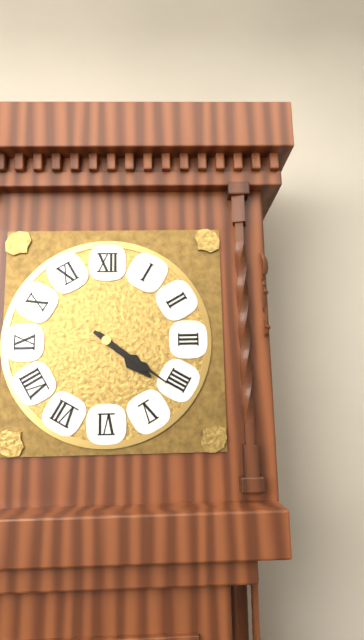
4,21
